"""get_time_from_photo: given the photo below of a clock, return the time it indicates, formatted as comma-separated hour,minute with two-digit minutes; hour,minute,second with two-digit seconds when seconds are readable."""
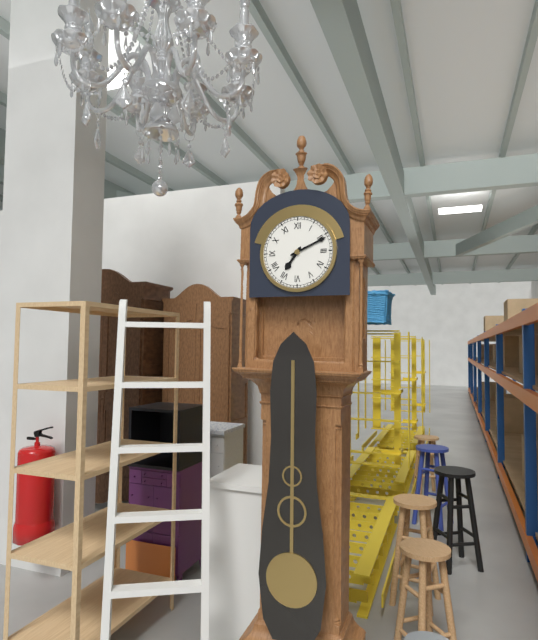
7,11
